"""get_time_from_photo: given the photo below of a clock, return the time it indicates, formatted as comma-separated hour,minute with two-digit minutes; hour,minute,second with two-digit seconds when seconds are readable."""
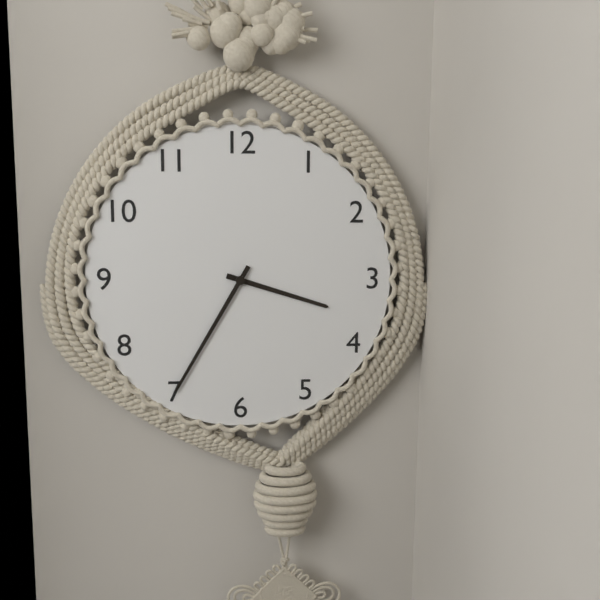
3,35
